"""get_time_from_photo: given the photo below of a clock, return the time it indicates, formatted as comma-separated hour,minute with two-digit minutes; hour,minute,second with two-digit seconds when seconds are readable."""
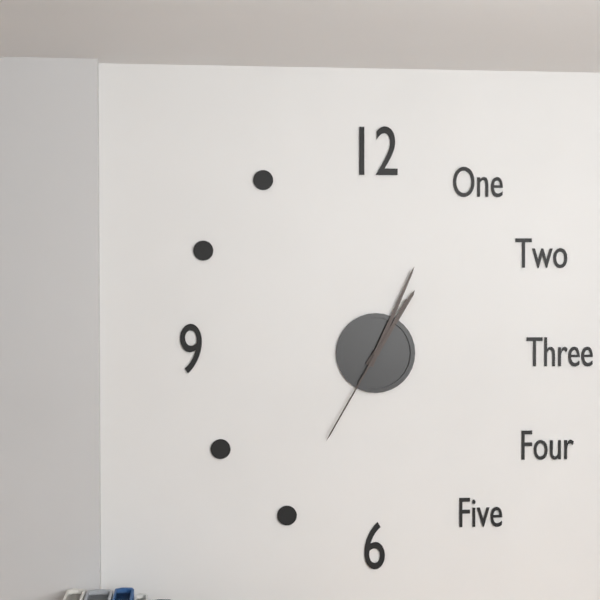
1,04,35
